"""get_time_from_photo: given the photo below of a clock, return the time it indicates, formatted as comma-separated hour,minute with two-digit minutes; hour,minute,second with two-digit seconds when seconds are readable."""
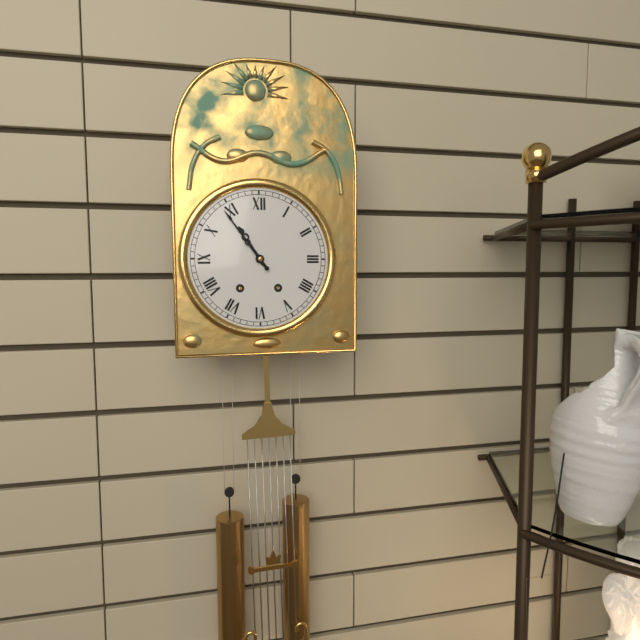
10,54
